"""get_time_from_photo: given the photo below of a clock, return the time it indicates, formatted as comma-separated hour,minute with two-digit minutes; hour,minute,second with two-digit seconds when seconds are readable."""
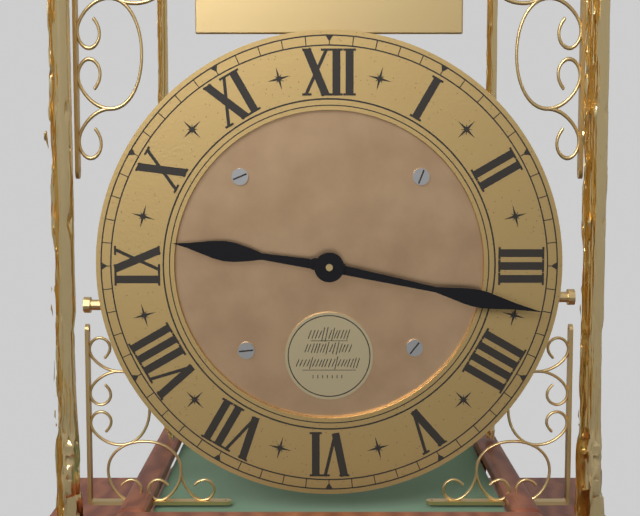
9,17
